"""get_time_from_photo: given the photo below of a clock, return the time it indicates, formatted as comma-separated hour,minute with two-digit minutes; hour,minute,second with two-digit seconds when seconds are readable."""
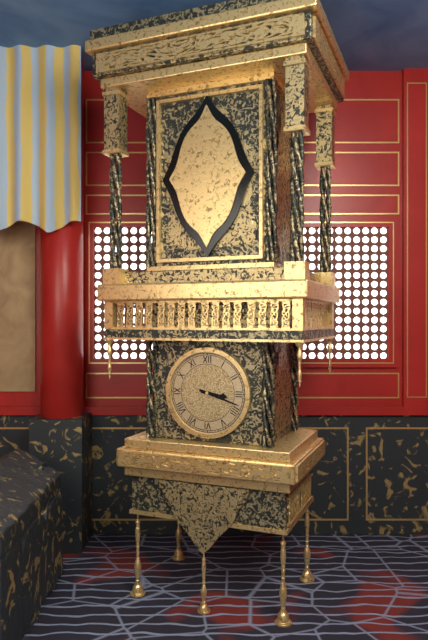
3,18
